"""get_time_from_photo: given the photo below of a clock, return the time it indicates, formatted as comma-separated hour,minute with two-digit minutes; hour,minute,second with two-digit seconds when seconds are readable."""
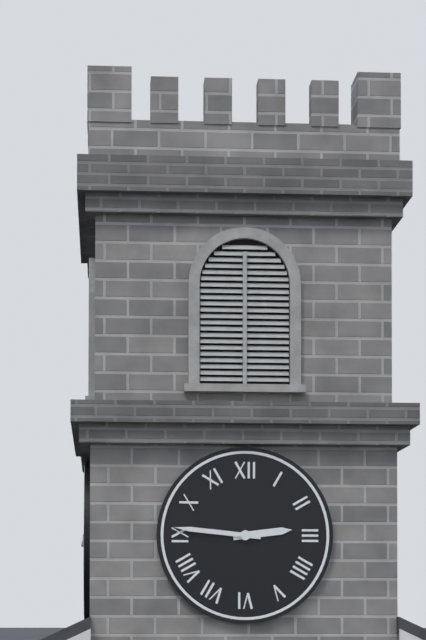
2,46
